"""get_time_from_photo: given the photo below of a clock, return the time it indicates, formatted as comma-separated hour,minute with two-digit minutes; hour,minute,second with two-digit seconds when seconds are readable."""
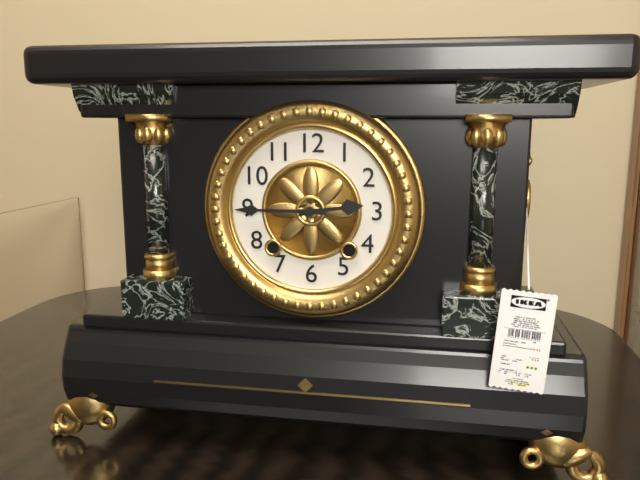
2,45
